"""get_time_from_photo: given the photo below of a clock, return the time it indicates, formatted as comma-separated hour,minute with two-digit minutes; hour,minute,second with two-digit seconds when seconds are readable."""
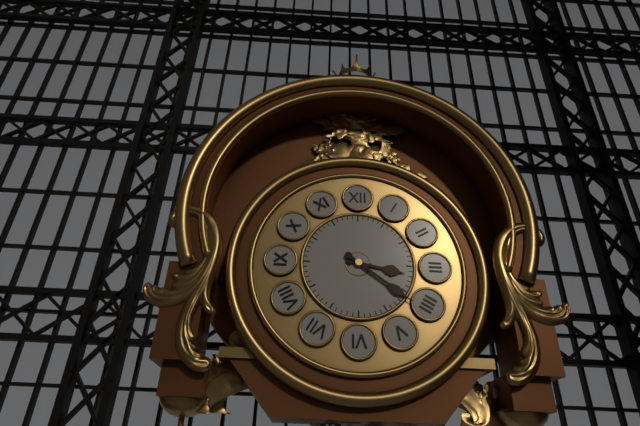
3,21
